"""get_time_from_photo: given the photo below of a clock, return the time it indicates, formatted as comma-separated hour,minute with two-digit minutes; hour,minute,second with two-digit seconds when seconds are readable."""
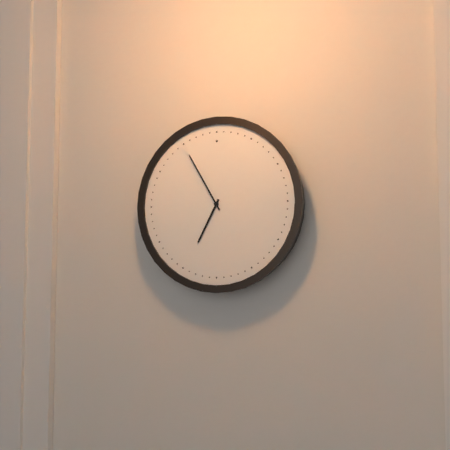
6,55
